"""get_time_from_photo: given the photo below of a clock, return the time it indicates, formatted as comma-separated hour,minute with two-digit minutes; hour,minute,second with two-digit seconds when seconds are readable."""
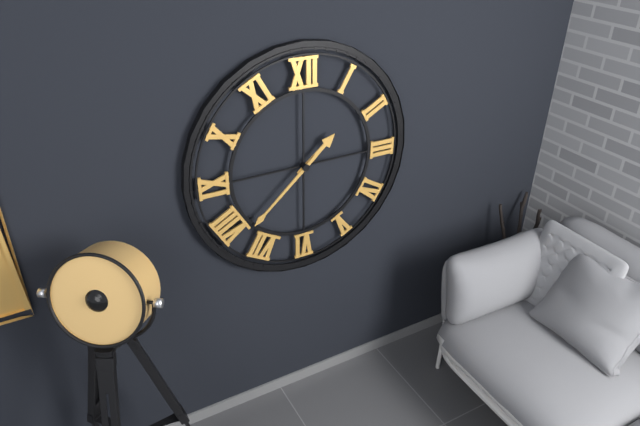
1,38
